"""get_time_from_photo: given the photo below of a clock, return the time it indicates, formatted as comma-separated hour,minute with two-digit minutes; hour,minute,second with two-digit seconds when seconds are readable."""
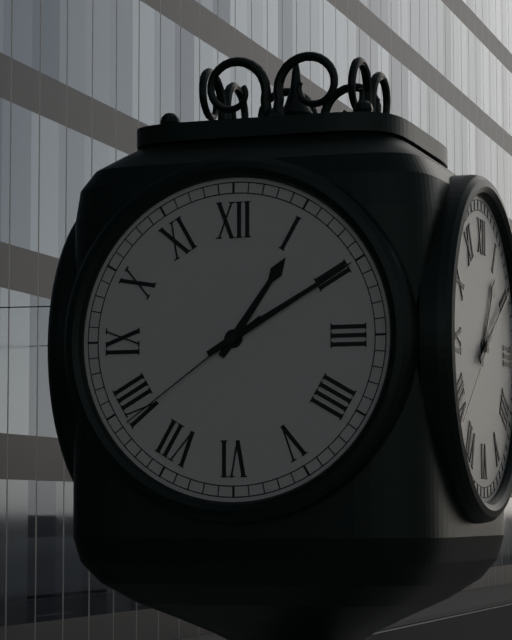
1,10,39
